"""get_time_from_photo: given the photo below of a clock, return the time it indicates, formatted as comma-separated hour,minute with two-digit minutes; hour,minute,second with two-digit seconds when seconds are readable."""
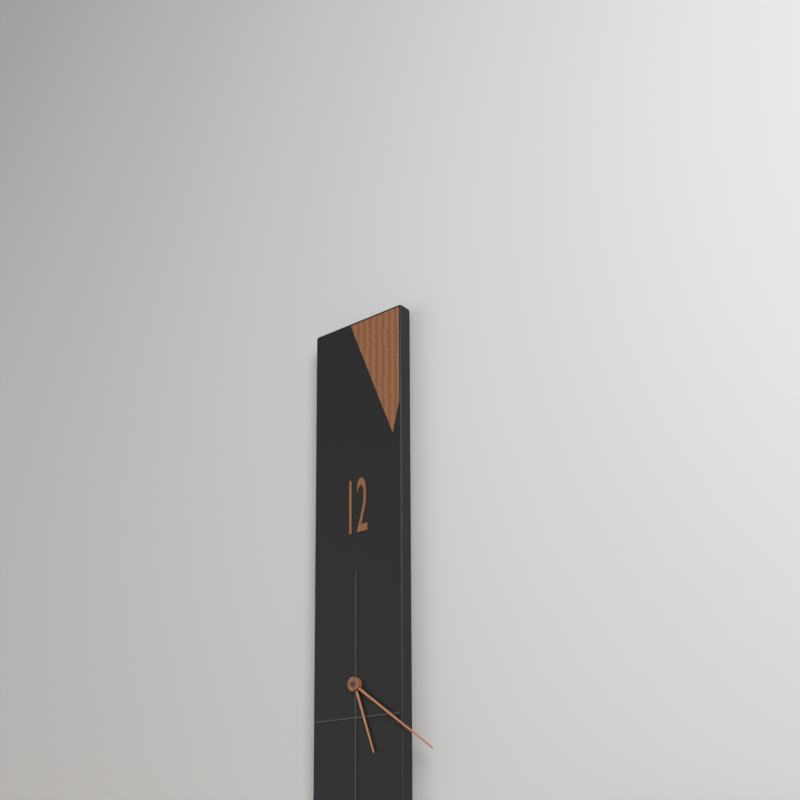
5,21
